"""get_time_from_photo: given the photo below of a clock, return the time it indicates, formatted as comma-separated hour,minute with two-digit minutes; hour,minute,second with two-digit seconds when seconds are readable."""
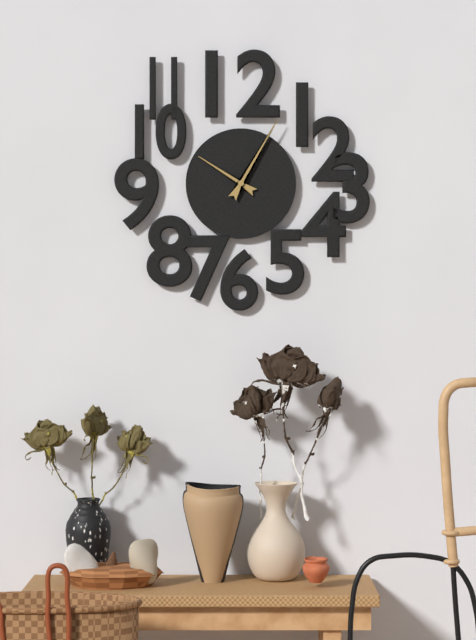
10,05
